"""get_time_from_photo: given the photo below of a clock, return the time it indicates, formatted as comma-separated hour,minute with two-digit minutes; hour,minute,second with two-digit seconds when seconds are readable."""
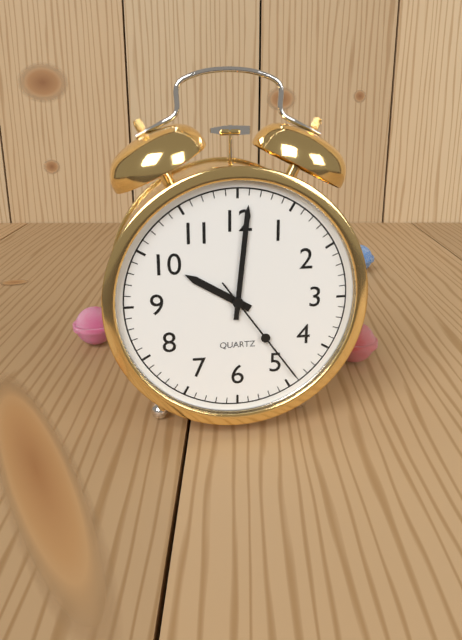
10,01,24
